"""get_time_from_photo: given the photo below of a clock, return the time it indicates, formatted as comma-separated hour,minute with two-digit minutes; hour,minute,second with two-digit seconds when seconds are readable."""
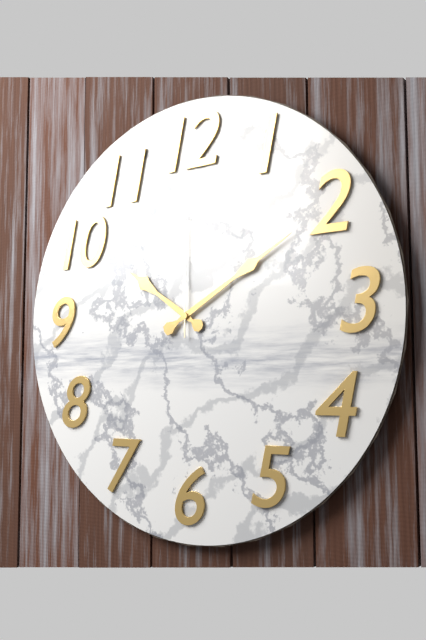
10,10,00
